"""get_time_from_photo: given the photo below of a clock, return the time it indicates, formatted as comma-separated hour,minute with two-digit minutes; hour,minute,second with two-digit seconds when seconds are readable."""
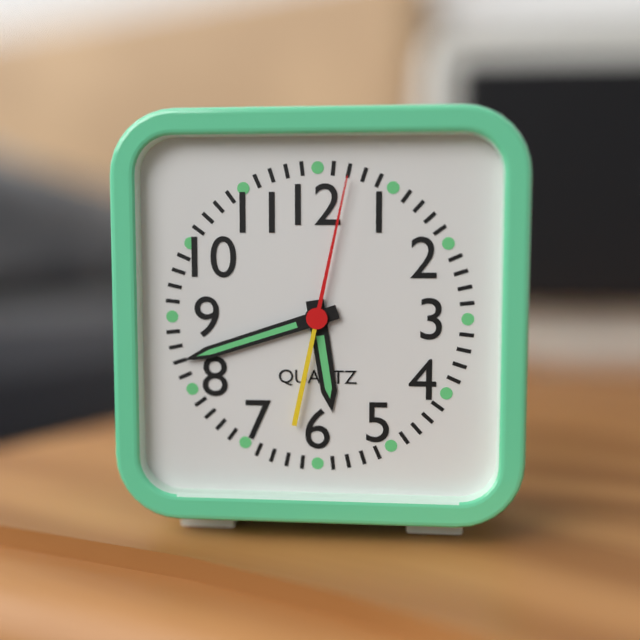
5,42,02
